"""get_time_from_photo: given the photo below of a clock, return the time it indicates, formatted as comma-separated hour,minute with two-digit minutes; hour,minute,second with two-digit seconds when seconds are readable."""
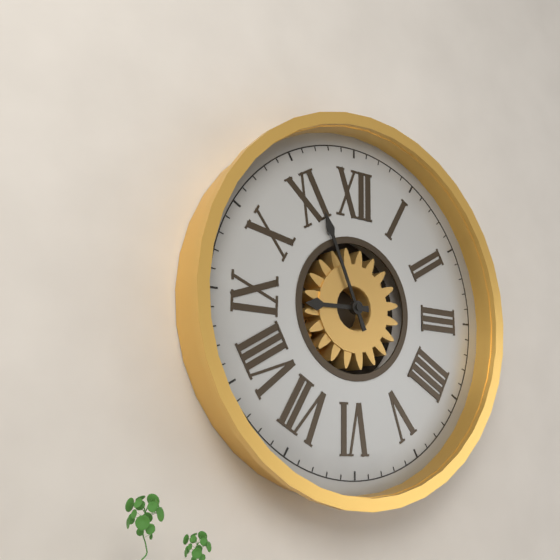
8,56
